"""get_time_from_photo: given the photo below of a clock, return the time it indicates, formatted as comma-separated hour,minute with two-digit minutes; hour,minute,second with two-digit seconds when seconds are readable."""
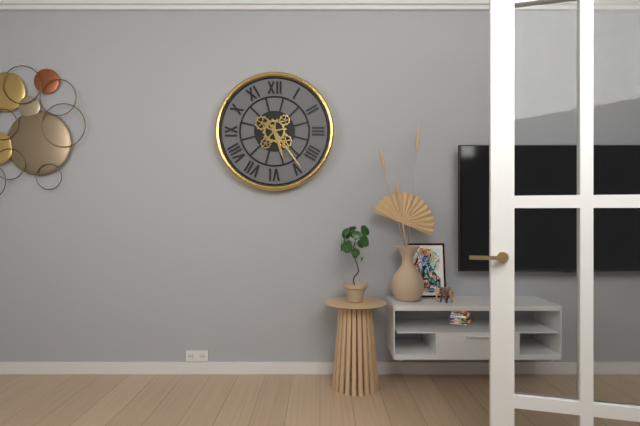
5,24
